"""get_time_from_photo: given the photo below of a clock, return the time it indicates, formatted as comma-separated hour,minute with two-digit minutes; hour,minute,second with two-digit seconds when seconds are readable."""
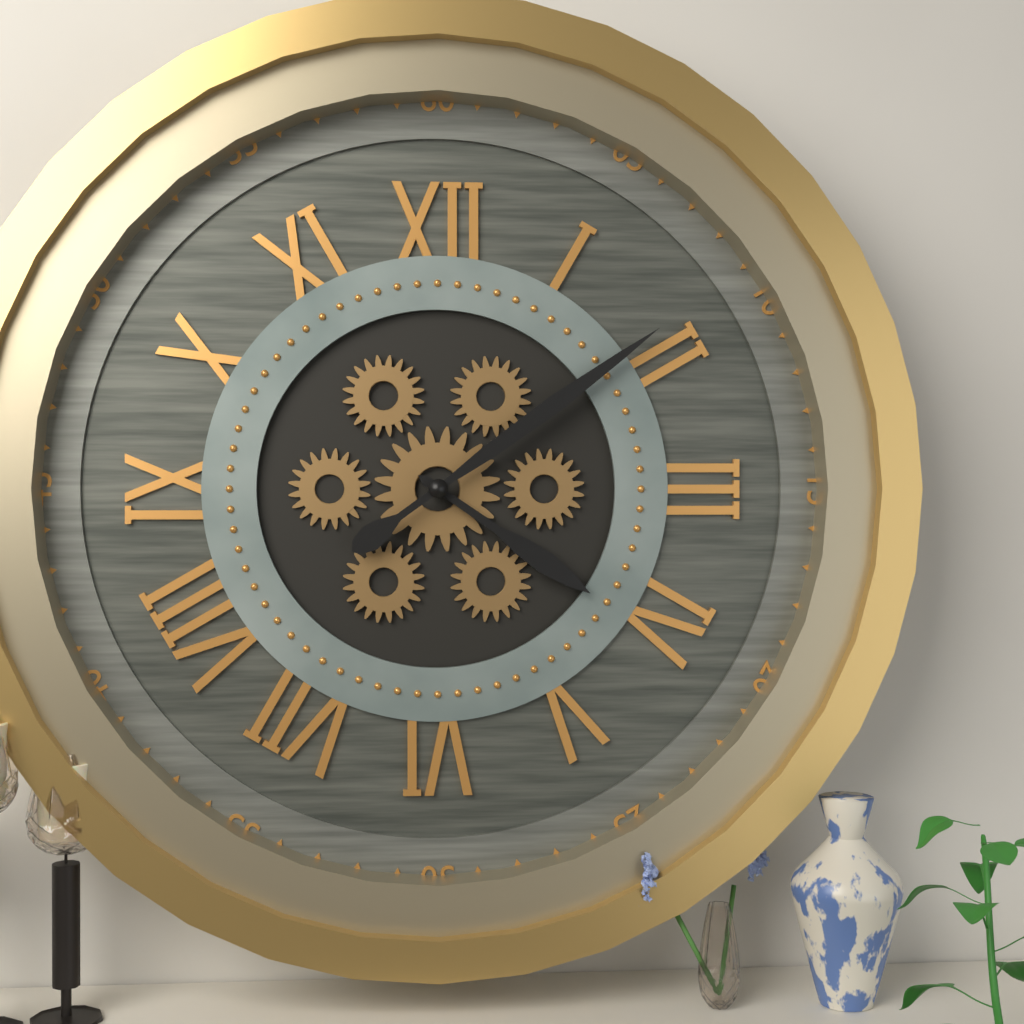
4,09
